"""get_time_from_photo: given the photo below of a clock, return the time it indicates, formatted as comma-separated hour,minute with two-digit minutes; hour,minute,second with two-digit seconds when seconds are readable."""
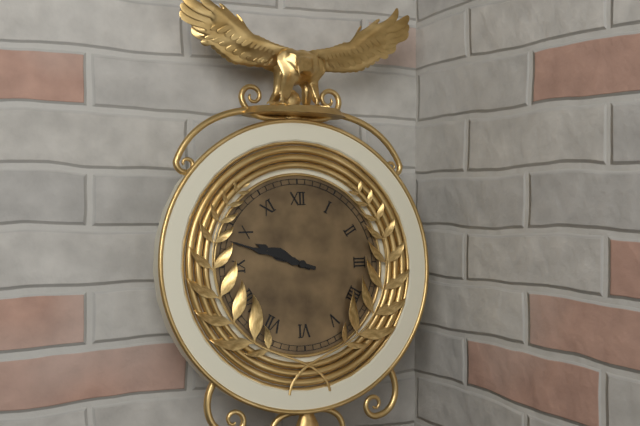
9,48
